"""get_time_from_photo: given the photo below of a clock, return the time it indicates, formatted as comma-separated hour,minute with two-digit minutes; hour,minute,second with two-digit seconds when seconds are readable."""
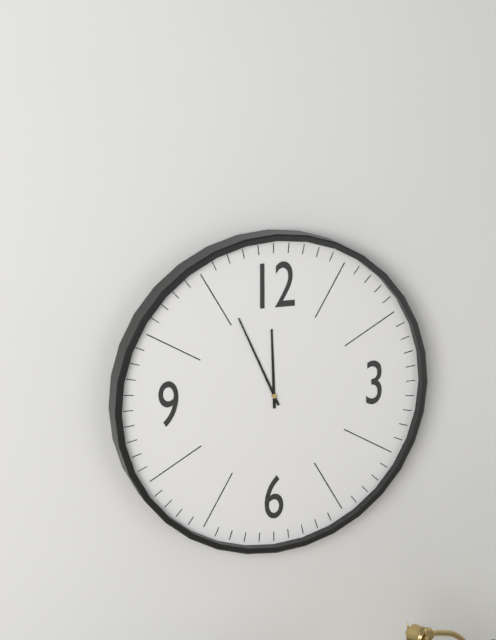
11,56
